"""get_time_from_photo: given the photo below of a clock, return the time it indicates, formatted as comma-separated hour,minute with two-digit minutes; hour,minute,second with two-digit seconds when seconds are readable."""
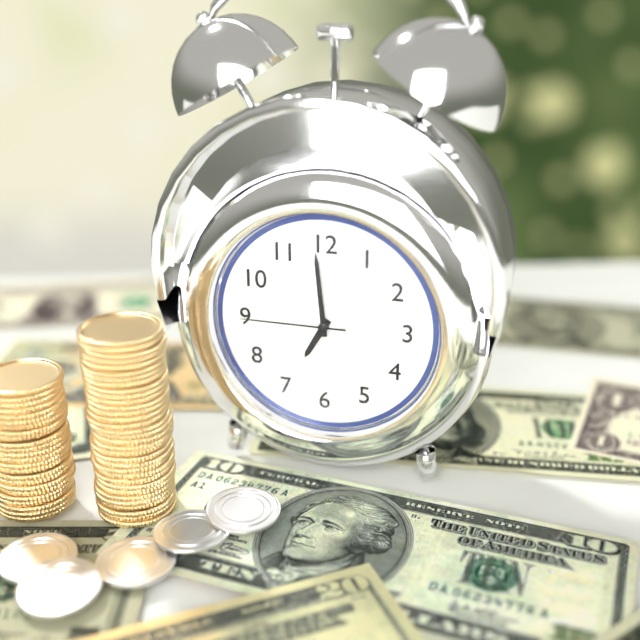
6,59,45
